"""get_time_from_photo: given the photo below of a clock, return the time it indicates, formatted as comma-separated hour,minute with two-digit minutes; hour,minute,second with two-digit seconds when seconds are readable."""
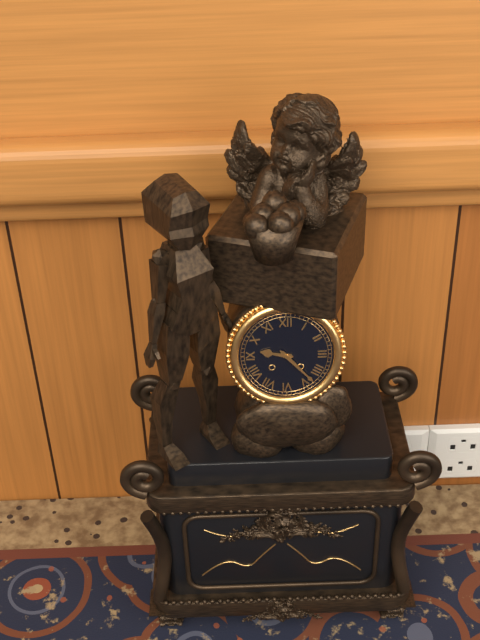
9,23
